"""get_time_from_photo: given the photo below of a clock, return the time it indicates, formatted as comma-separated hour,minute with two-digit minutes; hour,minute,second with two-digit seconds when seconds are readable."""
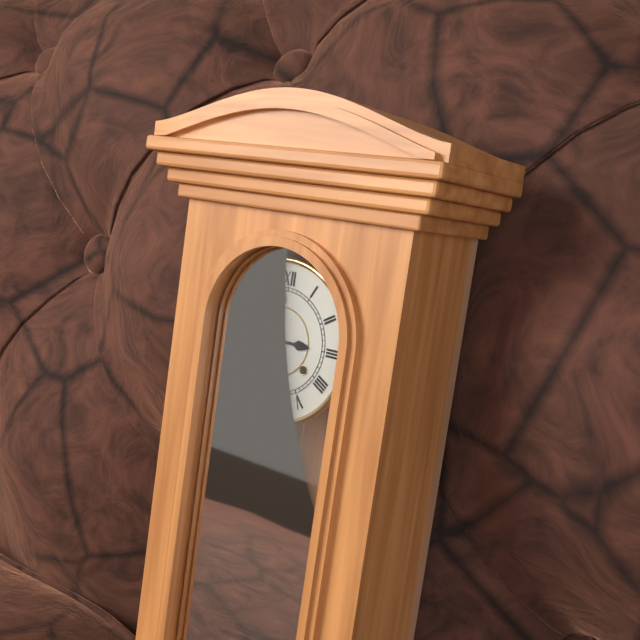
2,59
